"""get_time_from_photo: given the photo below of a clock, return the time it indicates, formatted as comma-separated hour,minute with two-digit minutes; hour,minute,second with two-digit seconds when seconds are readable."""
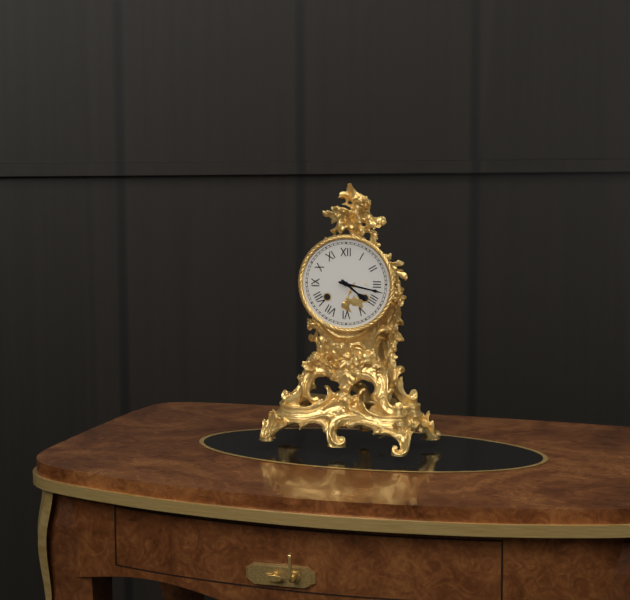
4,17
